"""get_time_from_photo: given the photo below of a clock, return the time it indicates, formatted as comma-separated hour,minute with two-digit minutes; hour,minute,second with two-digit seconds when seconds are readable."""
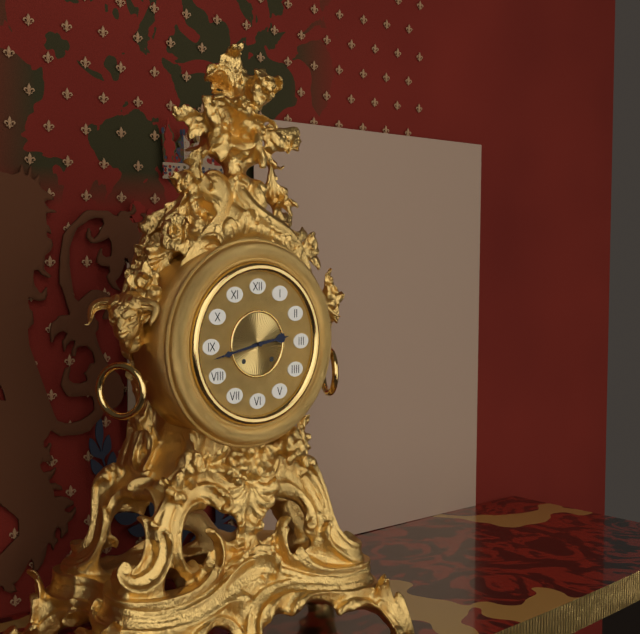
2,43
